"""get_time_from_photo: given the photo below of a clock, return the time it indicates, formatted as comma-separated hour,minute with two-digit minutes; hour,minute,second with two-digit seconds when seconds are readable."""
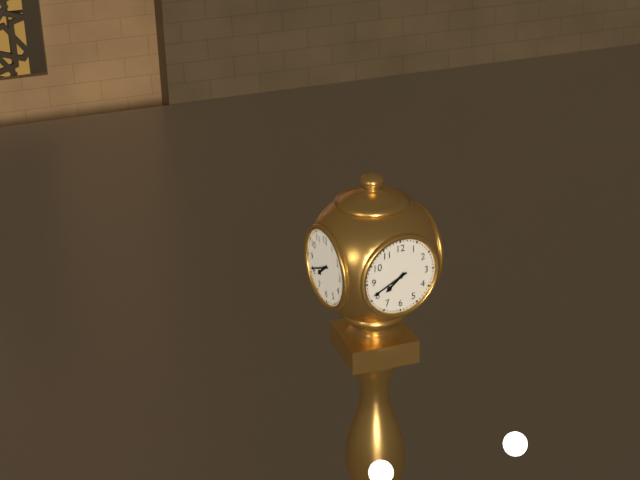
7,41
